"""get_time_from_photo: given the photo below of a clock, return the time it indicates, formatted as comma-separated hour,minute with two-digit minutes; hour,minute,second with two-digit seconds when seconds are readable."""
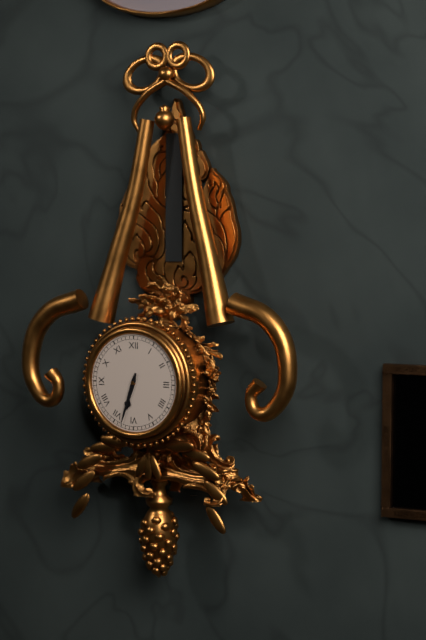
6,33
